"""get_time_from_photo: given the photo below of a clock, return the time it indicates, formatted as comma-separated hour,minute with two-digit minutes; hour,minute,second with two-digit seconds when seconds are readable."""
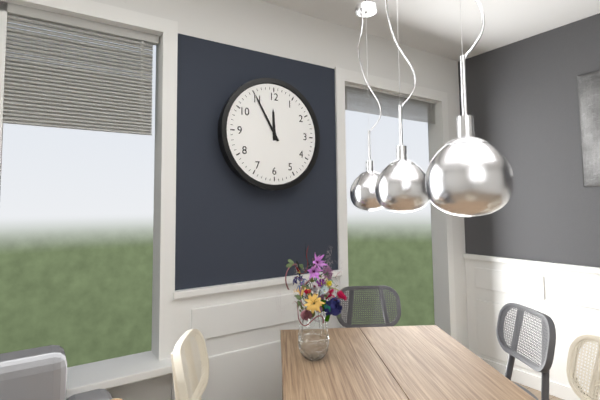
11,55
